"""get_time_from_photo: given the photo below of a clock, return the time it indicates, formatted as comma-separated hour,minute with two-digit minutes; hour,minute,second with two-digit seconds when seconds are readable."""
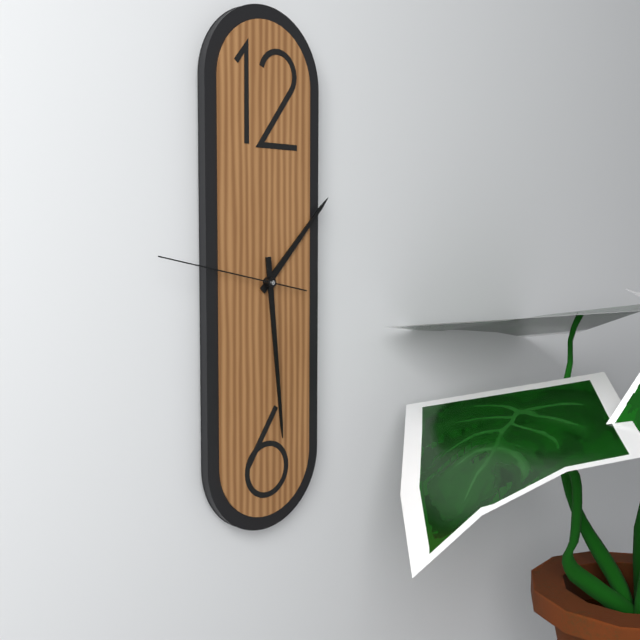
1,29,47
